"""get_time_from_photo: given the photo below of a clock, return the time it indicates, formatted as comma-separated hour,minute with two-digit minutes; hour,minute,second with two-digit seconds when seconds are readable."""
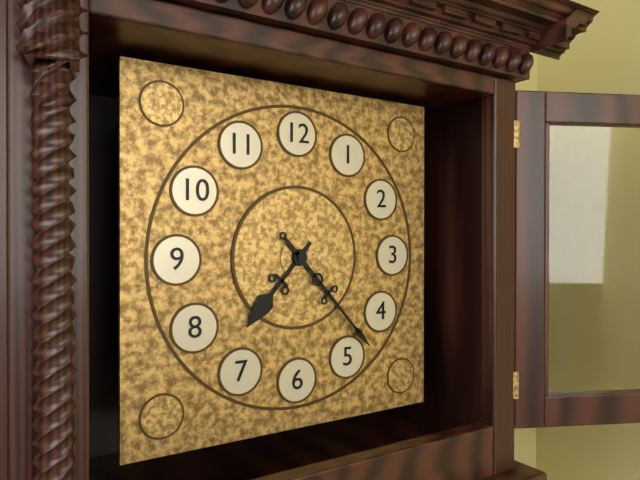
7,23
